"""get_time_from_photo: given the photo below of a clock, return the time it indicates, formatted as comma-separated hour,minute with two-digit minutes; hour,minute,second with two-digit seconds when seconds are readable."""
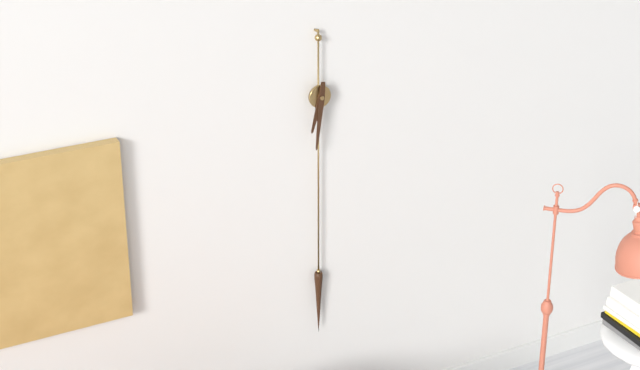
6,31
